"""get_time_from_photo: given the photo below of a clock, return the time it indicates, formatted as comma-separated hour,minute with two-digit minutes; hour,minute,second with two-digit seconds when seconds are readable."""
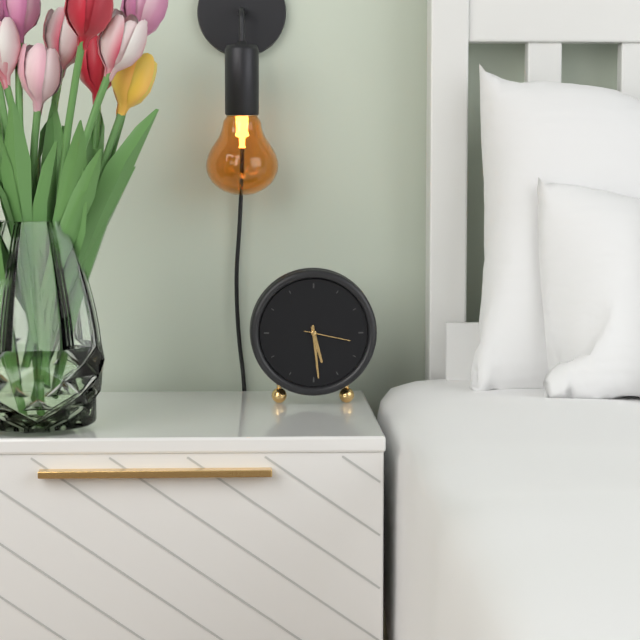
5,29
